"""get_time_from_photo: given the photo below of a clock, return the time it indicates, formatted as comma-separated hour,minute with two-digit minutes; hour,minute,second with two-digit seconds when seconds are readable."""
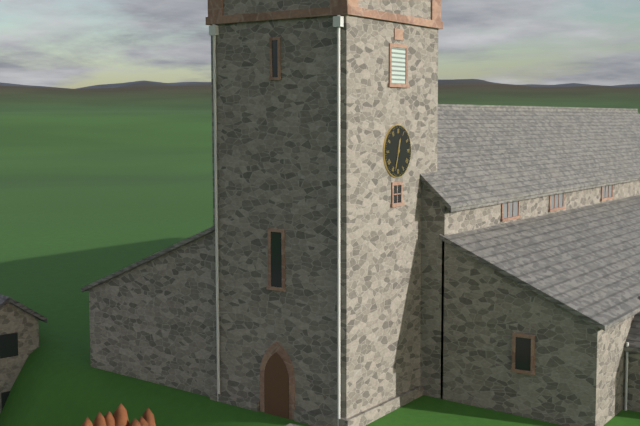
12,33
